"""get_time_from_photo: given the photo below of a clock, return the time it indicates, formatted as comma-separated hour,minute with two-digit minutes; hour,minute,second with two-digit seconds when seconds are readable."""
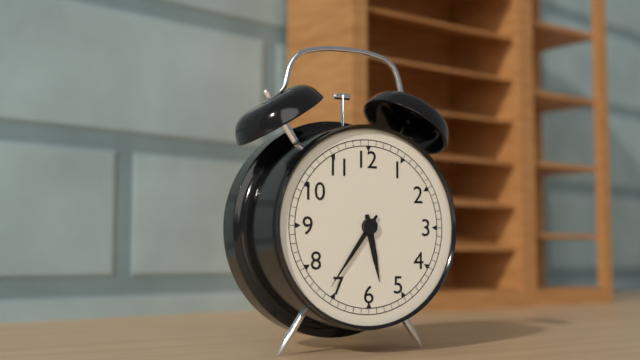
5,36
